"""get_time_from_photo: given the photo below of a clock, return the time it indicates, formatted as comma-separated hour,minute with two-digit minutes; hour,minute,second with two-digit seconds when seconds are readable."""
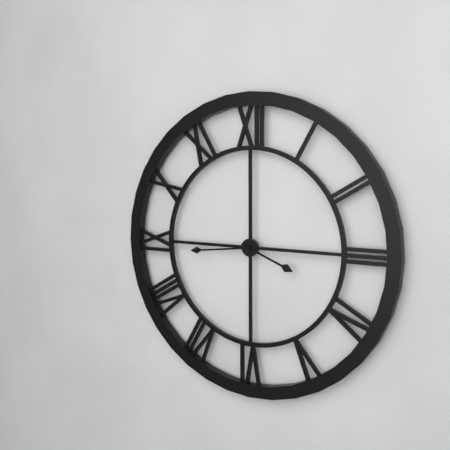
3,44
